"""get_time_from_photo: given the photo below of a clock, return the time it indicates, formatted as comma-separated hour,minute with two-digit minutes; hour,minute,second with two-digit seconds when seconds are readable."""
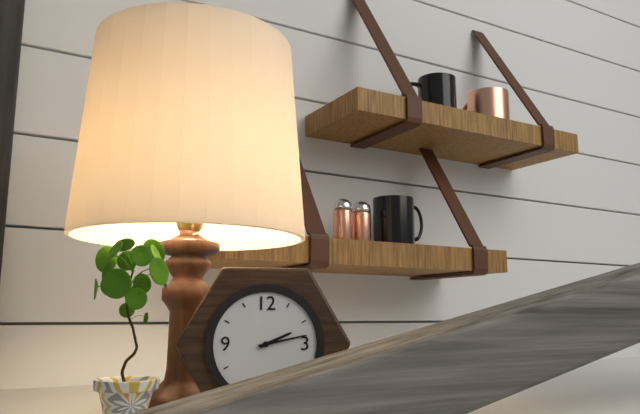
2,13
